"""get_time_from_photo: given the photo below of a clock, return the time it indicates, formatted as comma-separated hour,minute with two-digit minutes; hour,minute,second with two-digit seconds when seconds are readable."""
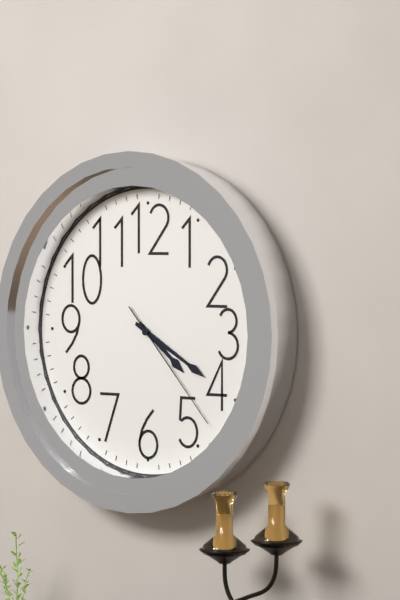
4,20,23
